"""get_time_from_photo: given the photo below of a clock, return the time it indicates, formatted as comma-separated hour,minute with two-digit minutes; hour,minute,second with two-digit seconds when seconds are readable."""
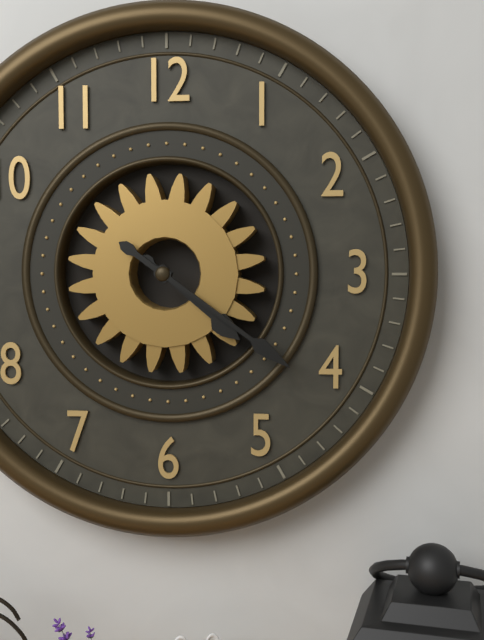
4,21
